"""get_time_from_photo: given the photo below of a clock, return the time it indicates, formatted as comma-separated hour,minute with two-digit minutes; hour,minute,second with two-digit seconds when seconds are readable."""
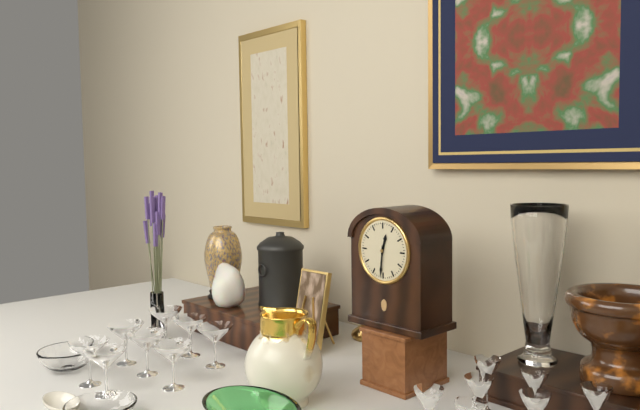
12,31
